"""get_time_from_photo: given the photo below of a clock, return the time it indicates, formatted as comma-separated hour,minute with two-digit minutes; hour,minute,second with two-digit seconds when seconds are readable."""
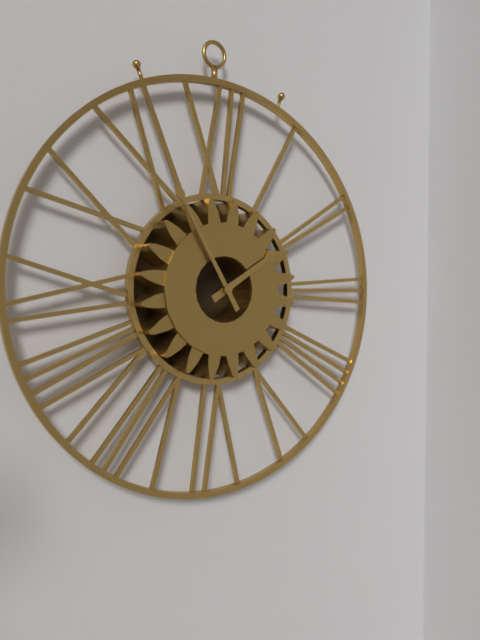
1,55
